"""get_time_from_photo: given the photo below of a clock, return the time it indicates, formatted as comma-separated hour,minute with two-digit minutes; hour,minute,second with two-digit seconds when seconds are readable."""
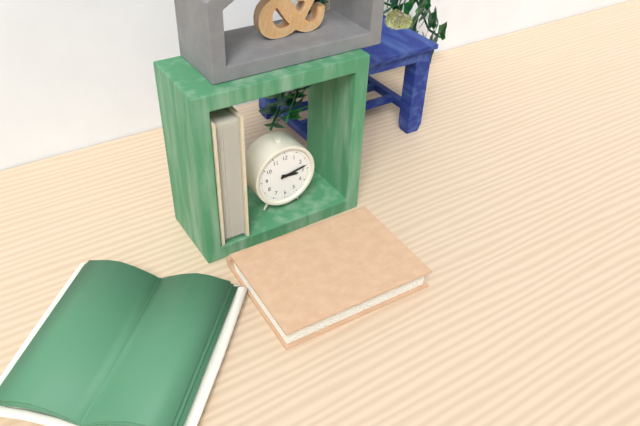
3,13
